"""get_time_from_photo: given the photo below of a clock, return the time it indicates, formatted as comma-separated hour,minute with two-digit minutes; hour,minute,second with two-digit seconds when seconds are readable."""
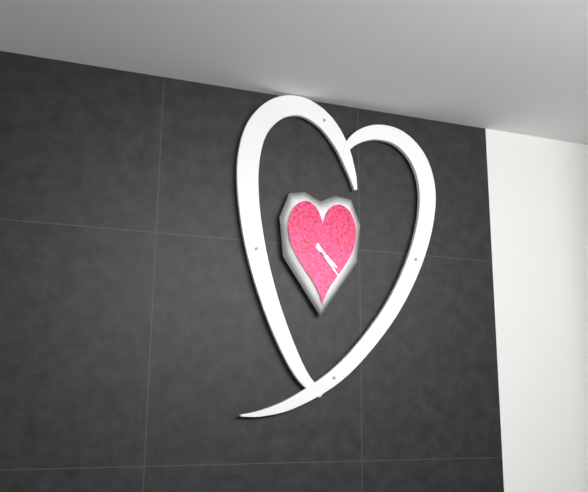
4,24
